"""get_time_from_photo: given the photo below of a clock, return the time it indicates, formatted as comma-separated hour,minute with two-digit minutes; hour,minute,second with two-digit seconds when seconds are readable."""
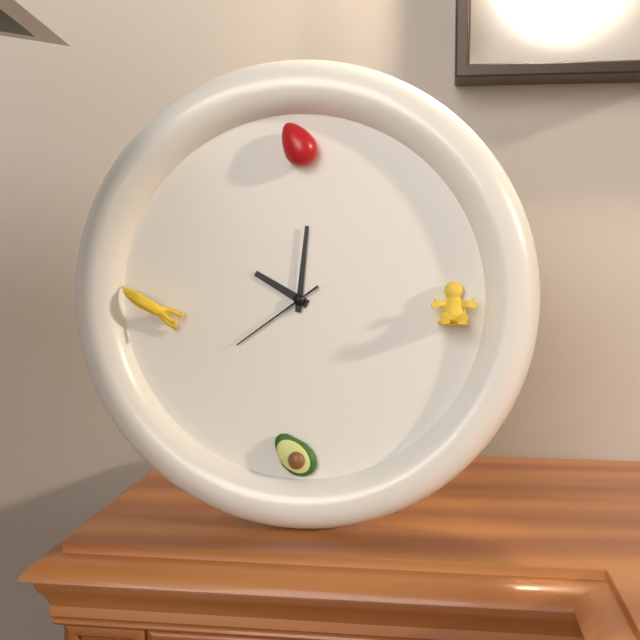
10,01,39
